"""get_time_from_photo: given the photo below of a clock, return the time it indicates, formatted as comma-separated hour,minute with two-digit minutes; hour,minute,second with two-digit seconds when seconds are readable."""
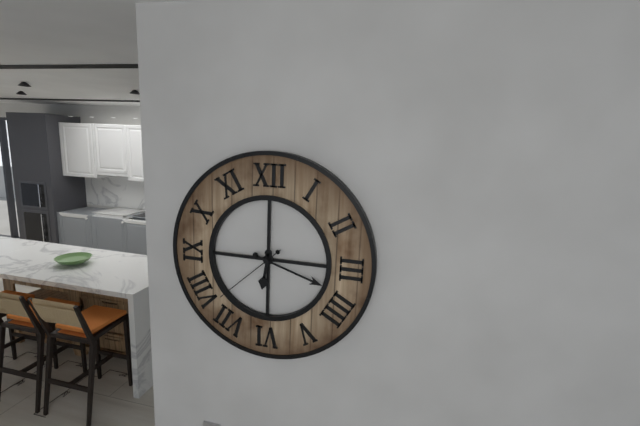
6,18,38
